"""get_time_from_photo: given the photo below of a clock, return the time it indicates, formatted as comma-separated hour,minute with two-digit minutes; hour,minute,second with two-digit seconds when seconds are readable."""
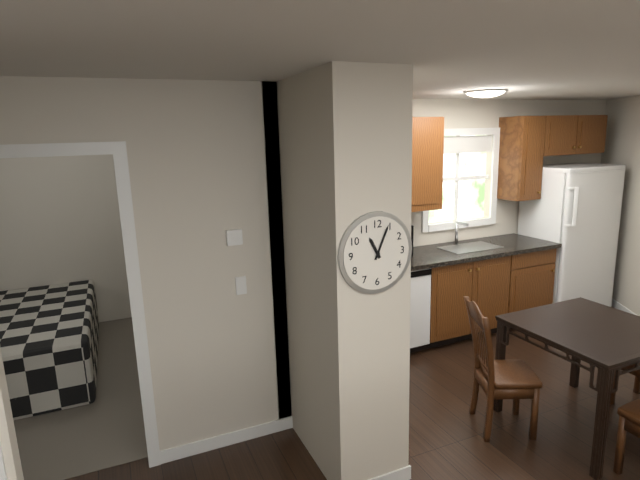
11,04
